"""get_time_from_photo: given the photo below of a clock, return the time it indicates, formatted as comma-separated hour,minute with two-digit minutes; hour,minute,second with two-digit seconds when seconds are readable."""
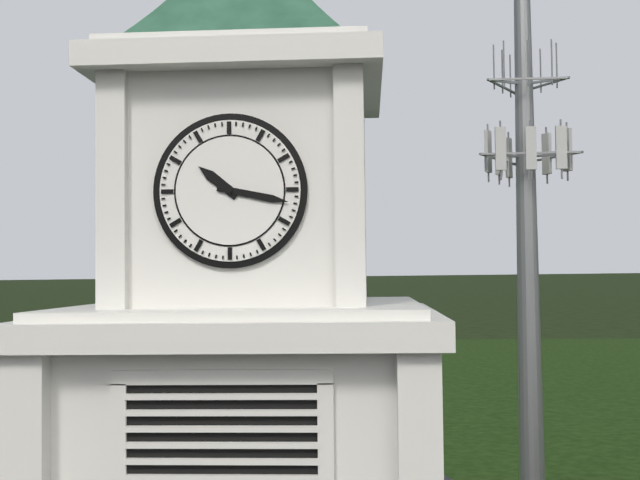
10,17
